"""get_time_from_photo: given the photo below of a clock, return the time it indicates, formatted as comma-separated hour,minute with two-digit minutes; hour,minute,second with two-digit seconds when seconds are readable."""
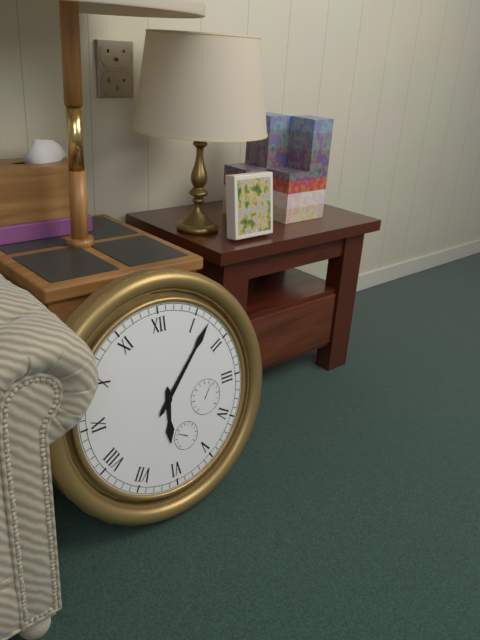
6,07
